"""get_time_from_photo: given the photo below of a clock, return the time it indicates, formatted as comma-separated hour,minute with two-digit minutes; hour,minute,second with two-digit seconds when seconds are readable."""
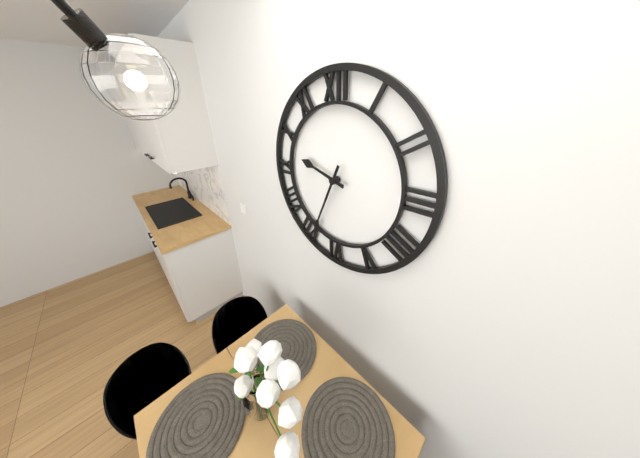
9,34
